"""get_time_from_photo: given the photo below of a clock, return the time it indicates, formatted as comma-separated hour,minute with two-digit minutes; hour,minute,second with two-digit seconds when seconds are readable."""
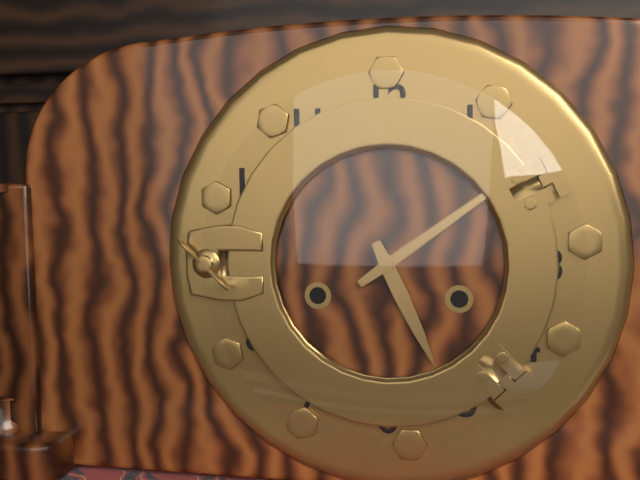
5,09
